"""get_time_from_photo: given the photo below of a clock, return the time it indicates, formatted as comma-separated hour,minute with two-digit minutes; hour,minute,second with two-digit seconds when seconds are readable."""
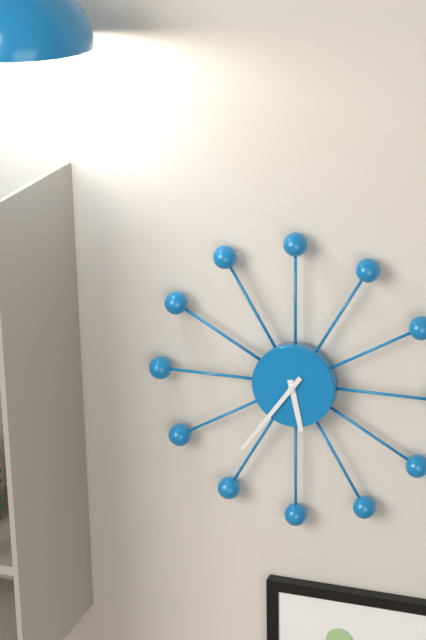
5,36
